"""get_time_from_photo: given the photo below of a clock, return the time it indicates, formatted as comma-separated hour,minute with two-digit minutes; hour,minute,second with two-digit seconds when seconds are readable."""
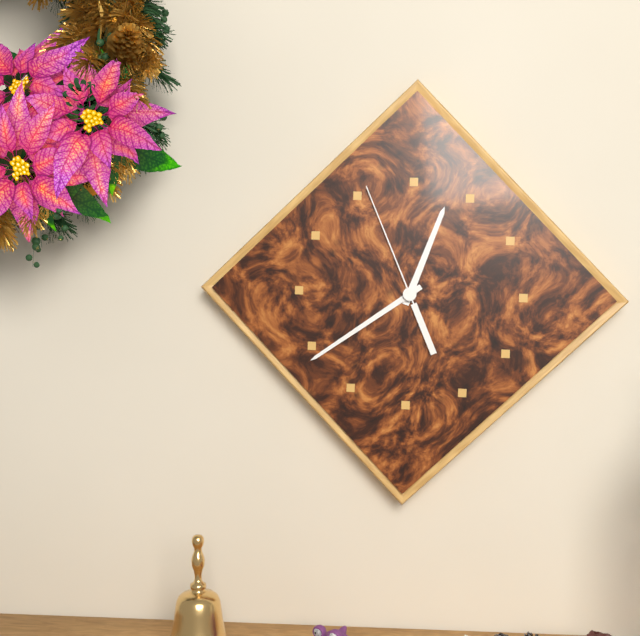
12,39,56
